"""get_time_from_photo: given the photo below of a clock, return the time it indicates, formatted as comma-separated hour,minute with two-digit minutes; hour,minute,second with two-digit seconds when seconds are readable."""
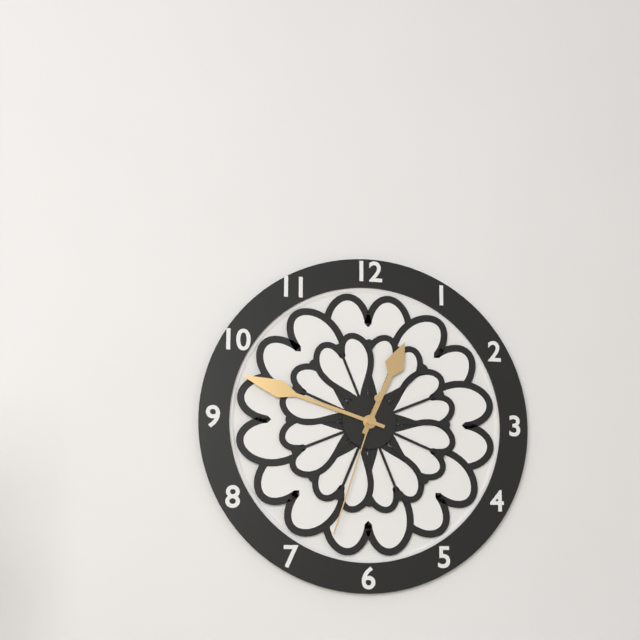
12,48,33
